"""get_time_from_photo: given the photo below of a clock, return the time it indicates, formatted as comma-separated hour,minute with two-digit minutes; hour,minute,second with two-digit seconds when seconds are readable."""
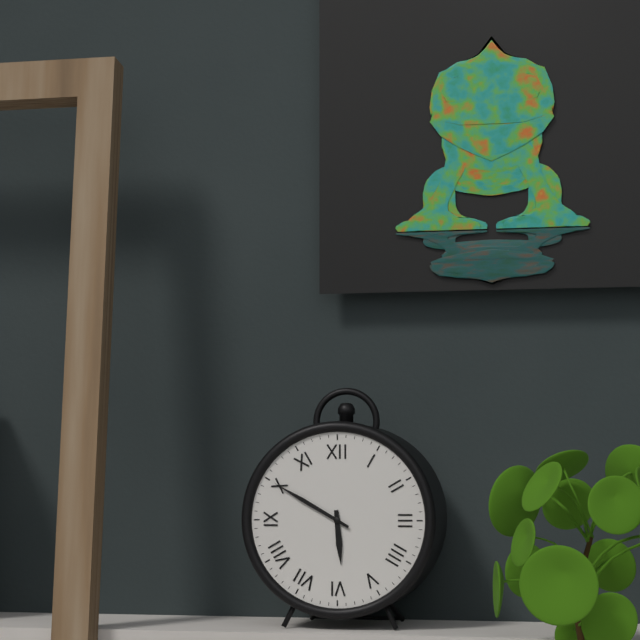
5,50
